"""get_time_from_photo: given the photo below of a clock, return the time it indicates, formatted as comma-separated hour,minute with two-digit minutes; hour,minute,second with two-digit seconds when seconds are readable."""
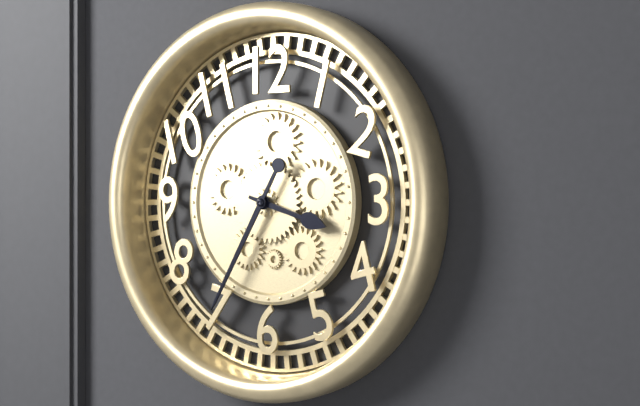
3,35
